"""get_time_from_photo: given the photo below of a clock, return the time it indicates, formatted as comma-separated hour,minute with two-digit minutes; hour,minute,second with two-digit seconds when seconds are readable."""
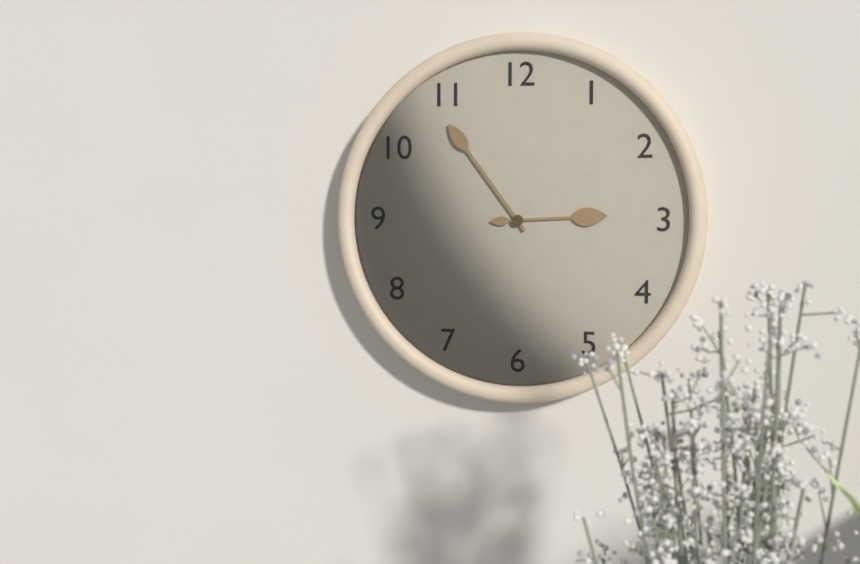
2,54
